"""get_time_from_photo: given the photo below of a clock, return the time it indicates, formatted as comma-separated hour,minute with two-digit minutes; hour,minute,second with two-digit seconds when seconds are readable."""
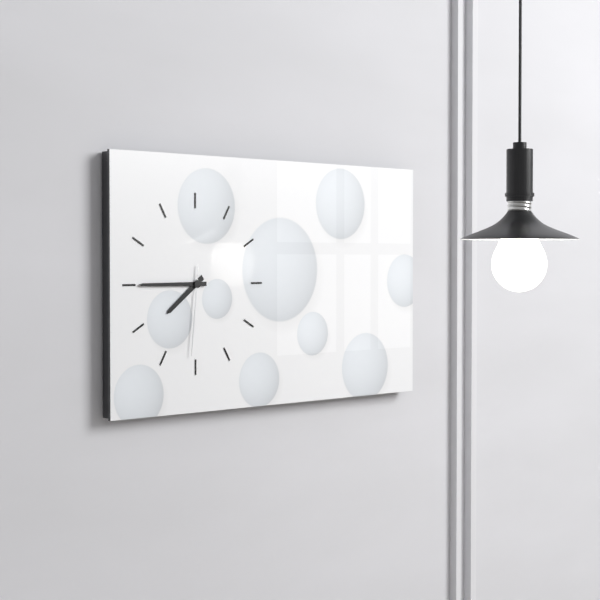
7,45,31
